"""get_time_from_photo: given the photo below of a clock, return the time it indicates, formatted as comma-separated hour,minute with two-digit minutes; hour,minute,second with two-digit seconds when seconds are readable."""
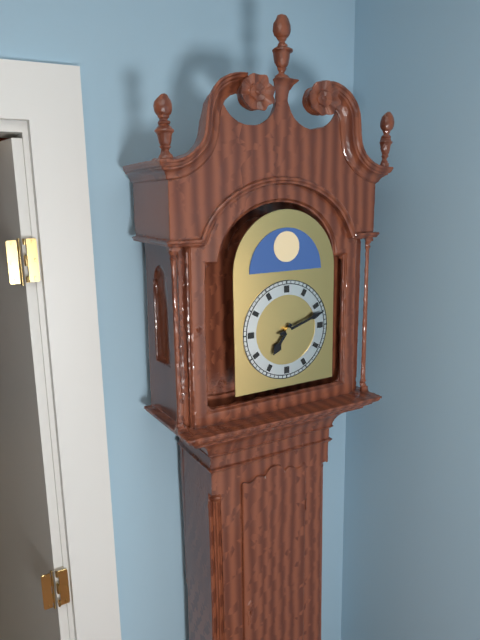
7,12
